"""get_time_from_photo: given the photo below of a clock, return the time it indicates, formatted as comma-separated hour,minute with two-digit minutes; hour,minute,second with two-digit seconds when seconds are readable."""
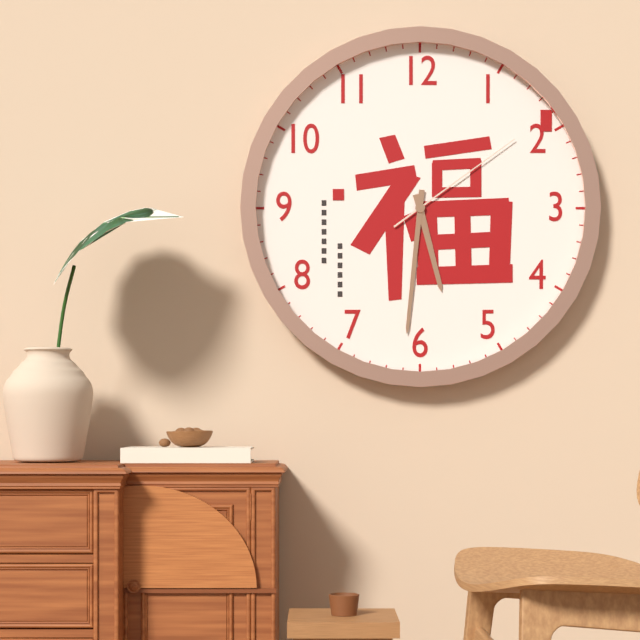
5,31,09
